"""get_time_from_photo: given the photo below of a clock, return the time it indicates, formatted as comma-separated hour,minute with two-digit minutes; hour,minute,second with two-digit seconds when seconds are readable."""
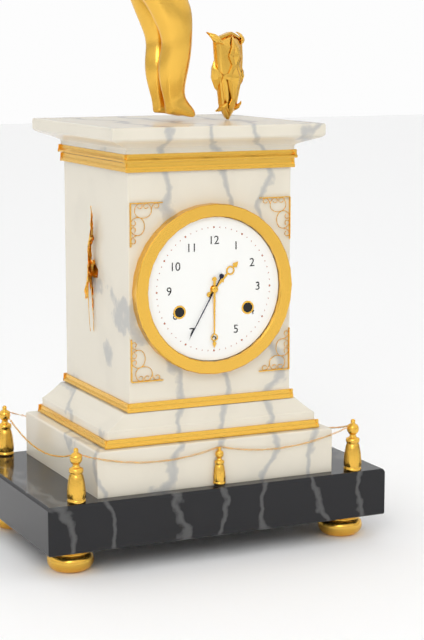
1,30,35
